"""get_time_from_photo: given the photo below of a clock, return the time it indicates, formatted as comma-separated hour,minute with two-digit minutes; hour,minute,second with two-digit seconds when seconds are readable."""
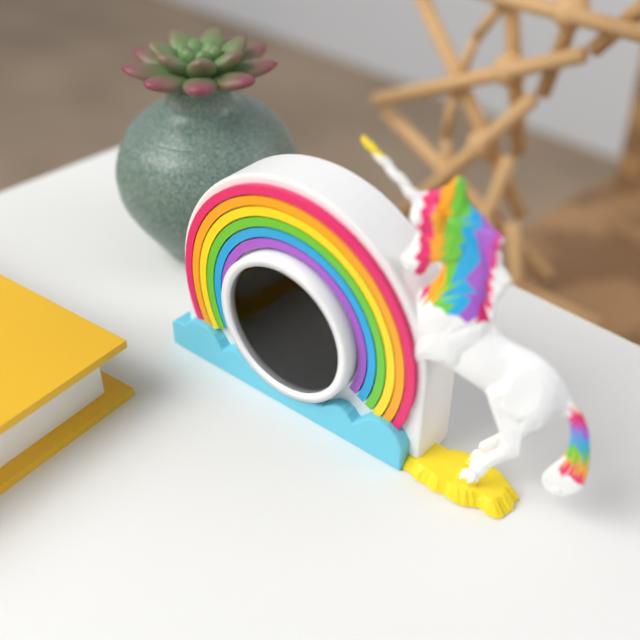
10,17
